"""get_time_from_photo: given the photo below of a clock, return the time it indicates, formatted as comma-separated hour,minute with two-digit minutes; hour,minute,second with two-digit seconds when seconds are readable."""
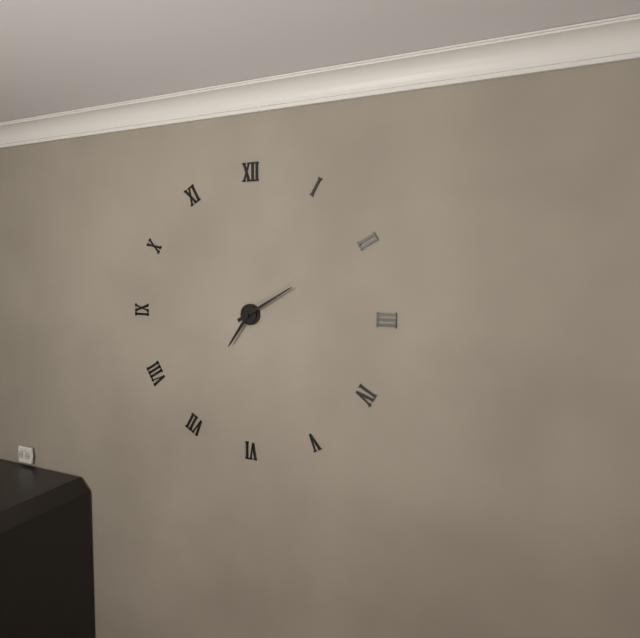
7,10
